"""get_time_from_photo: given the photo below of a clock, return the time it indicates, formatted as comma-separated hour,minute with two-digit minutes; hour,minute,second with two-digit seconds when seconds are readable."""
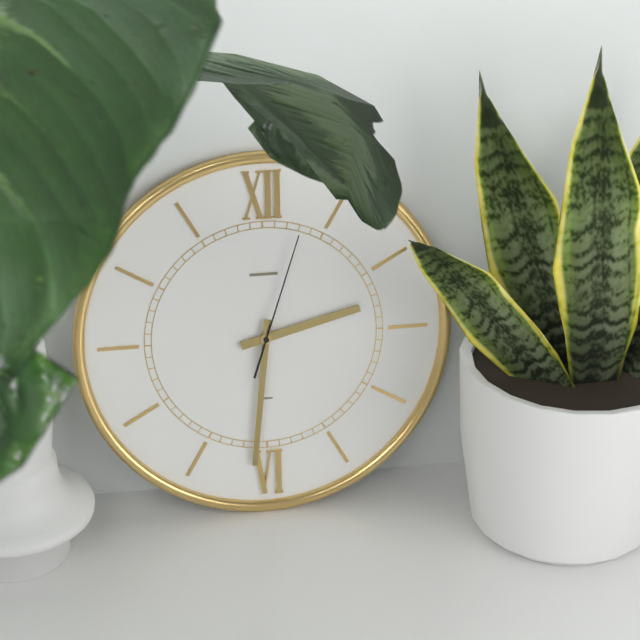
2,31,03
